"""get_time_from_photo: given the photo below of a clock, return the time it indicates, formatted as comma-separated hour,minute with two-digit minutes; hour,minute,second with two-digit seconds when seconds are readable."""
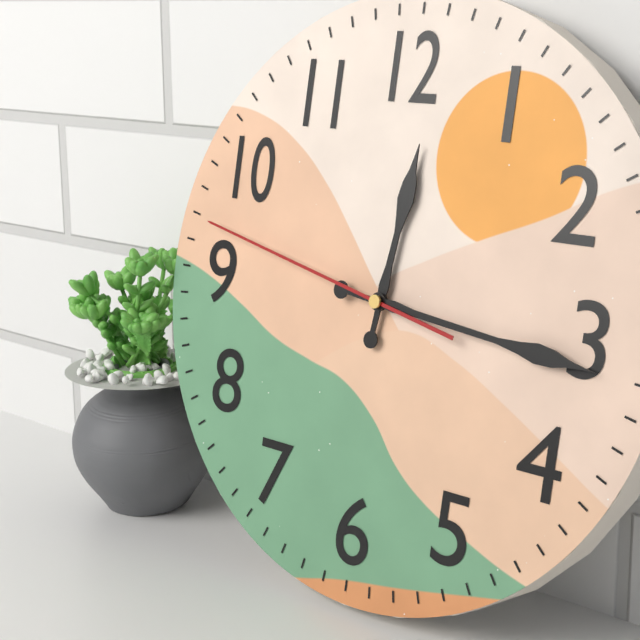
12,16,47
